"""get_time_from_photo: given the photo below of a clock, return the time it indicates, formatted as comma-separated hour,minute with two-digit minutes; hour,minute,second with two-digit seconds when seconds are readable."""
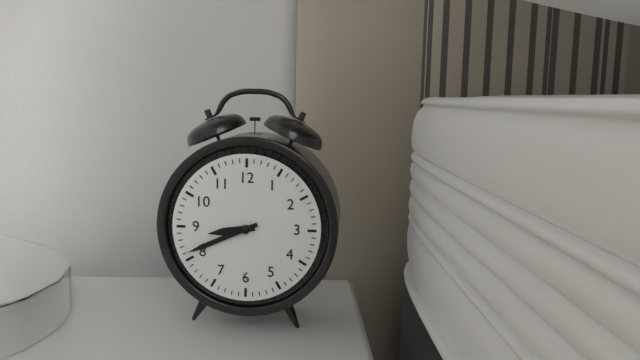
8,41
